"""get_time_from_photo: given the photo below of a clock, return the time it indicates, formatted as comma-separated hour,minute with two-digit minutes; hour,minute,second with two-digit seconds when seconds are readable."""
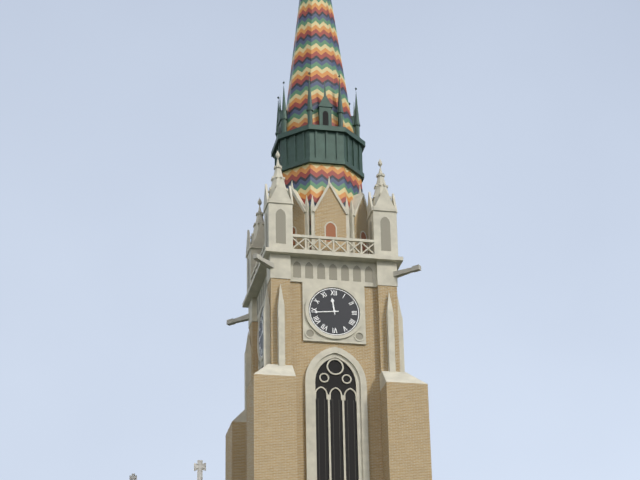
11,44
